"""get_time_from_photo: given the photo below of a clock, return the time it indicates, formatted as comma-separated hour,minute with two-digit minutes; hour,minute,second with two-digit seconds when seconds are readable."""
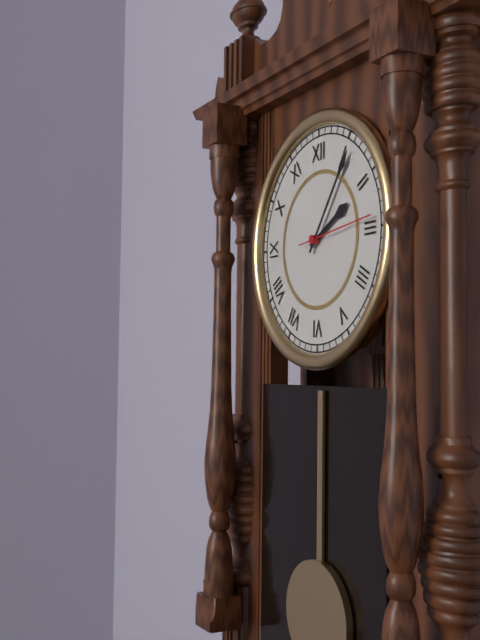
2,06,14
